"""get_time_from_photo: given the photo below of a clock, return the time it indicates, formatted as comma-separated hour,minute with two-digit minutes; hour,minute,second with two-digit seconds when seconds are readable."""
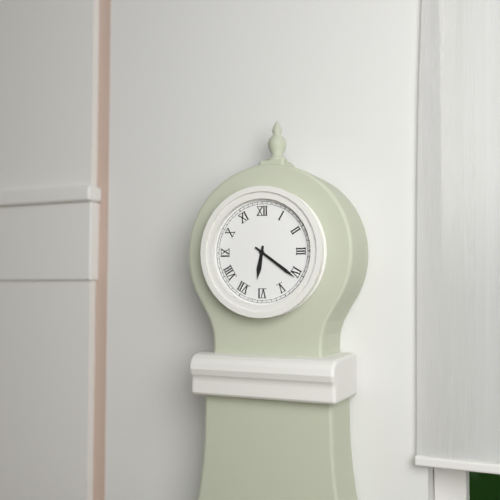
6,21
